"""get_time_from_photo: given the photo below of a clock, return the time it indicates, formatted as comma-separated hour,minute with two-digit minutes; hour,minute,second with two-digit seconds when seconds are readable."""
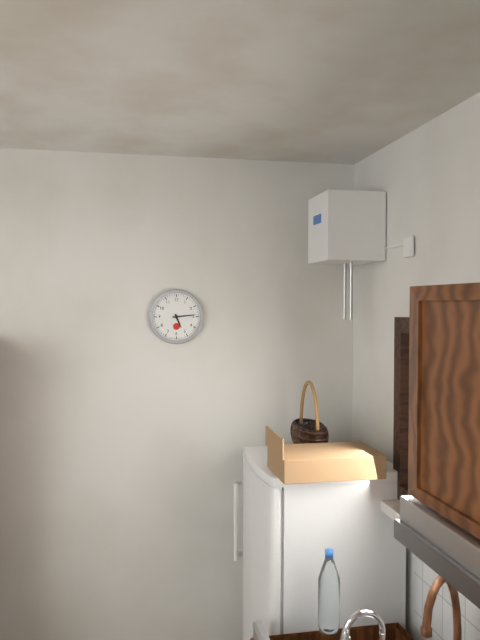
5,14
